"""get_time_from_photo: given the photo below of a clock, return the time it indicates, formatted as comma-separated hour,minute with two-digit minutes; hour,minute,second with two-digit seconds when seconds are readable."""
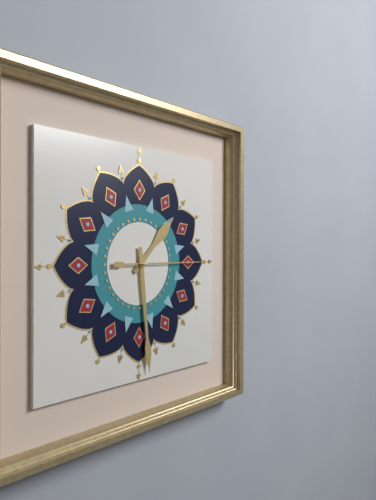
1,29,15
